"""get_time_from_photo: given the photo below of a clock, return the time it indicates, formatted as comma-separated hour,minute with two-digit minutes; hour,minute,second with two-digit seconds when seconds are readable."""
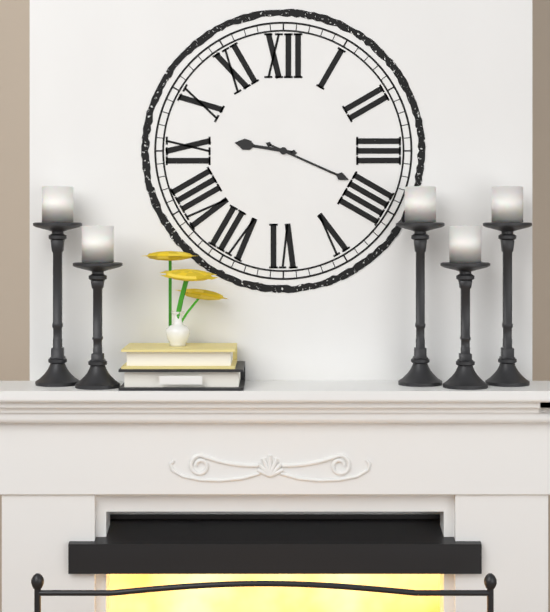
9,19
